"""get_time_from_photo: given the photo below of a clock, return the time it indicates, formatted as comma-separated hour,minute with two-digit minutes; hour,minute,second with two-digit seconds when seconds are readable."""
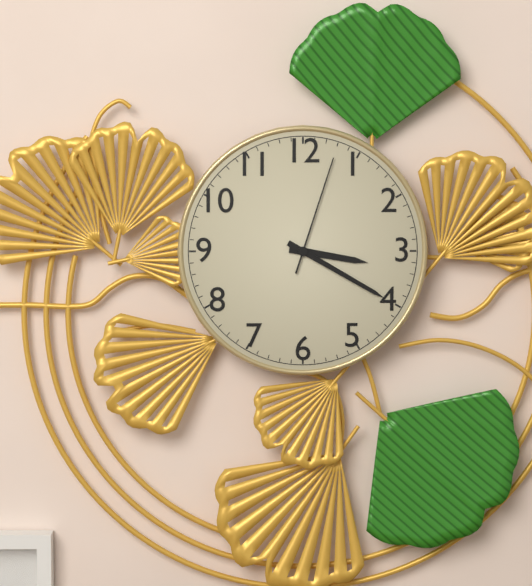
3,20,03
